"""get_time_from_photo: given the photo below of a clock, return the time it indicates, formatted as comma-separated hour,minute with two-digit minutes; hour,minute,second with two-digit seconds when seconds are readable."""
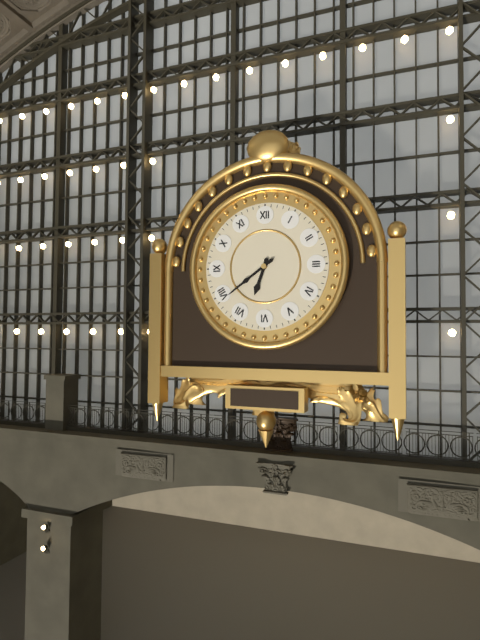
6,39
